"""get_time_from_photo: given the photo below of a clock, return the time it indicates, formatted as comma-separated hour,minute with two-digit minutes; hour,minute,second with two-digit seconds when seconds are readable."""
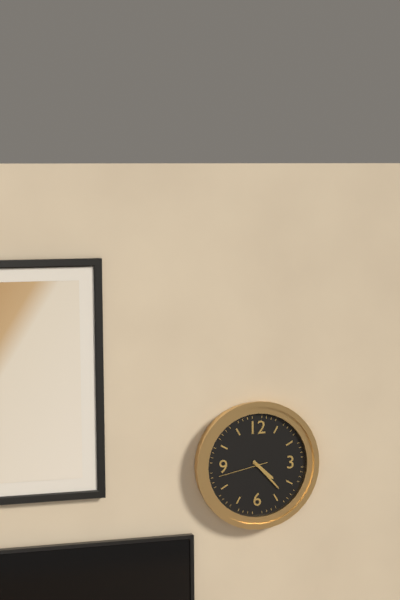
4,23,43
